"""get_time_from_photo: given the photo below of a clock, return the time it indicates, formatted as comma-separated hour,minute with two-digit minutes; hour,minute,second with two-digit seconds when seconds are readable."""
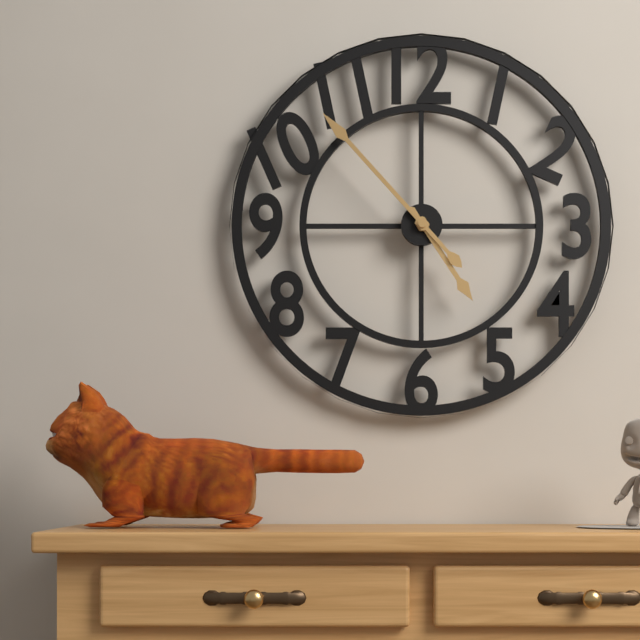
4,53
